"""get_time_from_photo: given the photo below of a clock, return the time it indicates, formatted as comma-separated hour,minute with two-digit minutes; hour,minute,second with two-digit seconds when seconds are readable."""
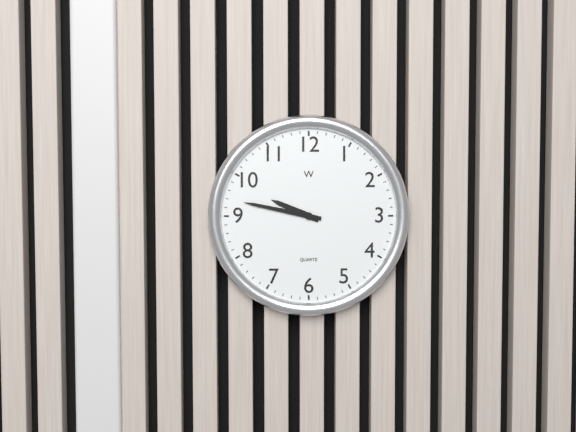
9,47
